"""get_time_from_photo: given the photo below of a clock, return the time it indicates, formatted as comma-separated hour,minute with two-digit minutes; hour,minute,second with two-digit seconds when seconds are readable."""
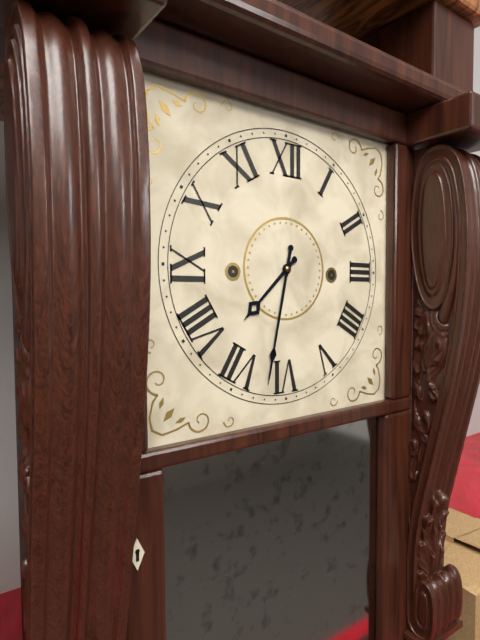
7,32
